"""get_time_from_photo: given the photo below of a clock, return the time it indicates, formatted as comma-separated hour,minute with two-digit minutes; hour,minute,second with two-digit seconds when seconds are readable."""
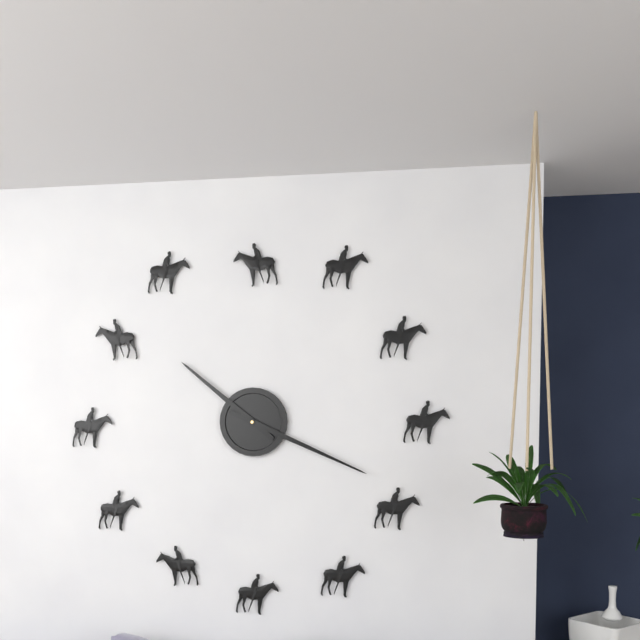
10,19
